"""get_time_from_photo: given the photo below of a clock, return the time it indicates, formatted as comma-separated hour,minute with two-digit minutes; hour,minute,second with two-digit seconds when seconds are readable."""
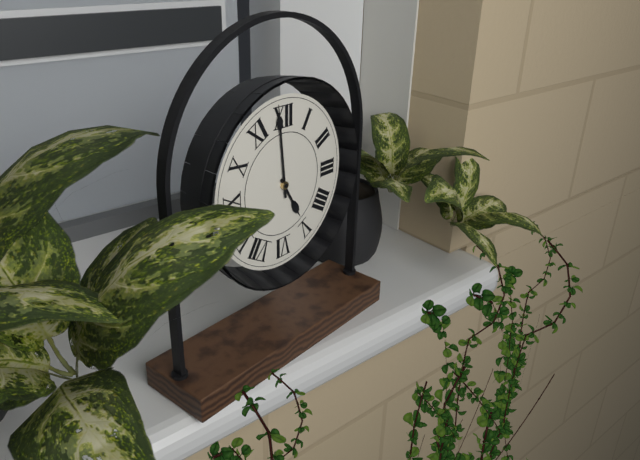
4,59
